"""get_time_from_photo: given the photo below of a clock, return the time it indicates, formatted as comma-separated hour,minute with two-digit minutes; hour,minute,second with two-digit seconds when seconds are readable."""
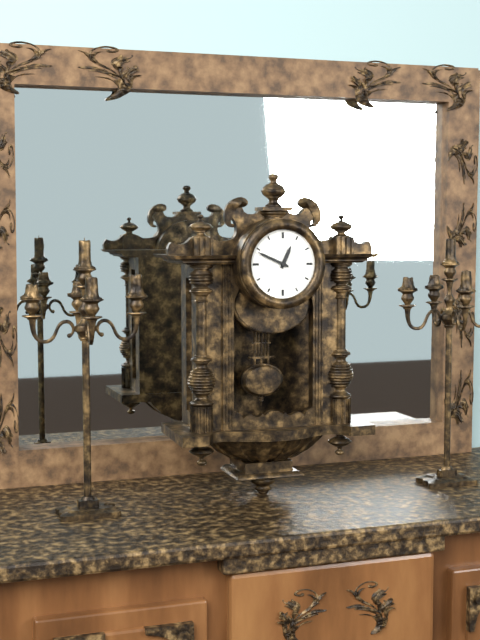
12,49
